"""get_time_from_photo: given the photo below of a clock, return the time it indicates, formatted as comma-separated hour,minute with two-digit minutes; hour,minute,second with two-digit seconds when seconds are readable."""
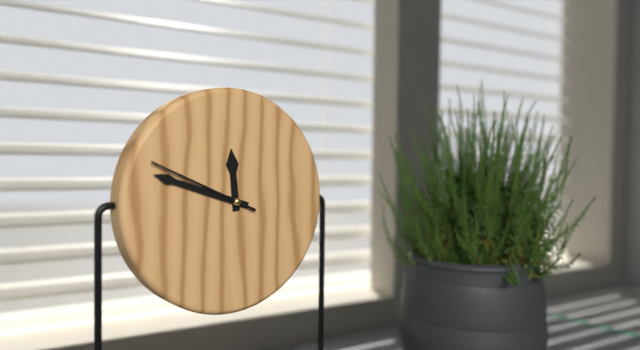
11,48,49
